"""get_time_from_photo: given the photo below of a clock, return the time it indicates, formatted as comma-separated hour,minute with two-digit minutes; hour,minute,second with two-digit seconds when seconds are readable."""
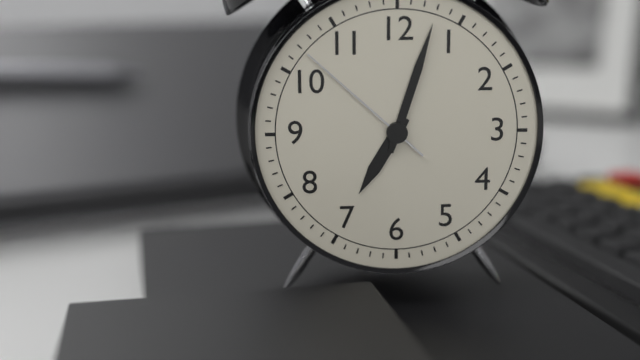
7,03,52
